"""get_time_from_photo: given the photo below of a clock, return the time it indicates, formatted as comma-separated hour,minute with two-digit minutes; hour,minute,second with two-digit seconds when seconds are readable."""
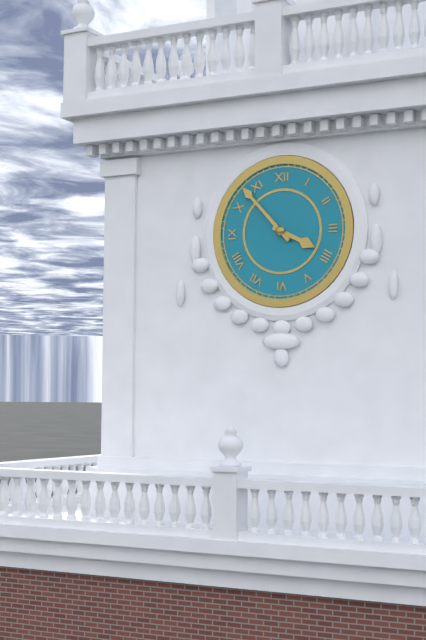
3,53
